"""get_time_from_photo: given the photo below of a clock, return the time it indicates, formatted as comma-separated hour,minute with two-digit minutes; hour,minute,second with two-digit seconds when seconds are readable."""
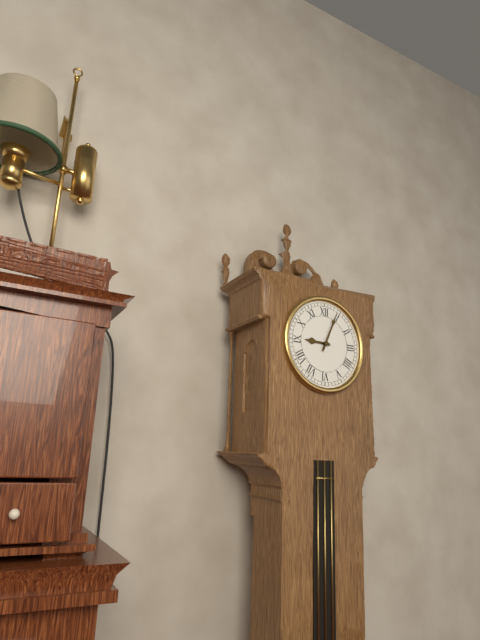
9,04
